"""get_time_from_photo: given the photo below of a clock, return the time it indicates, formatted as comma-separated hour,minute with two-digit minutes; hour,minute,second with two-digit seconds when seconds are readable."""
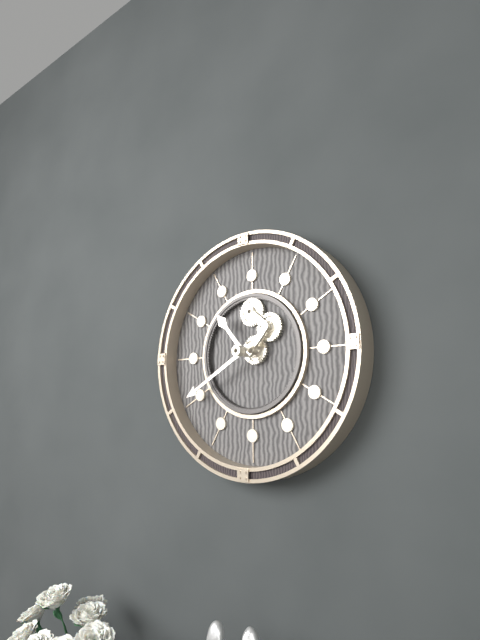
10,40
